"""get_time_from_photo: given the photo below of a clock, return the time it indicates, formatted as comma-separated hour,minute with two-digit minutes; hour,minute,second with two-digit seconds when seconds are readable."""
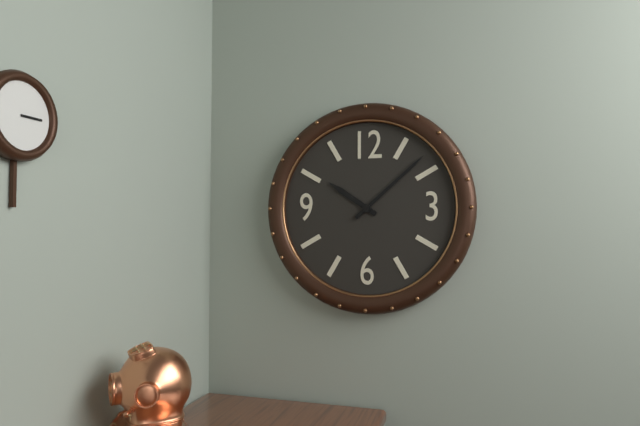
10,08
